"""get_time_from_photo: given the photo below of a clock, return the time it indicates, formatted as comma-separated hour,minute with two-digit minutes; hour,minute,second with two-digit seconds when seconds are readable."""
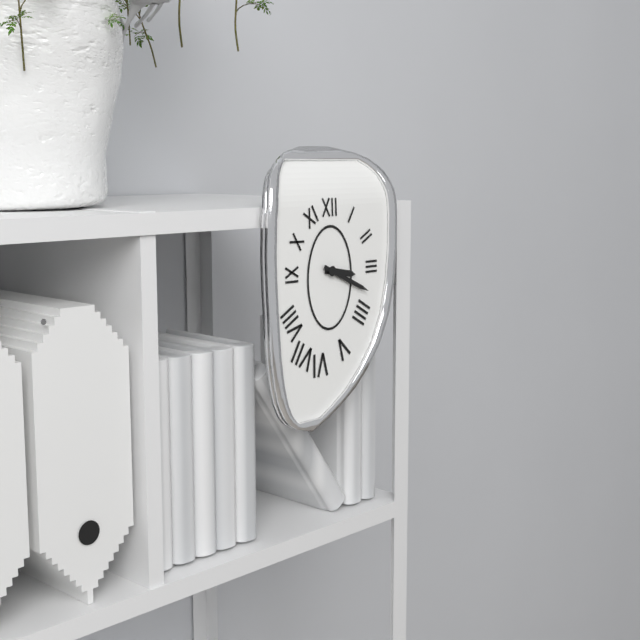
3,19
